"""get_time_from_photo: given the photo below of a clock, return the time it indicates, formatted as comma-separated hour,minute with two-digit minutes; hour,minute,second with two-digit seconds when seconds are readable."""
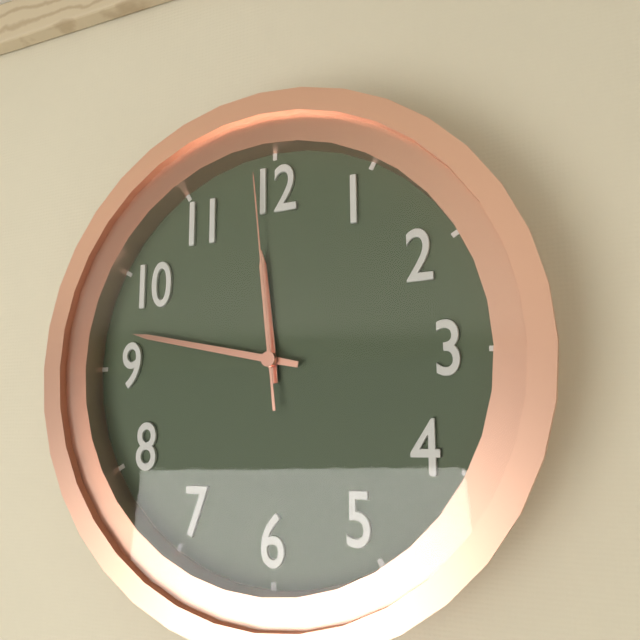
11,47,59
